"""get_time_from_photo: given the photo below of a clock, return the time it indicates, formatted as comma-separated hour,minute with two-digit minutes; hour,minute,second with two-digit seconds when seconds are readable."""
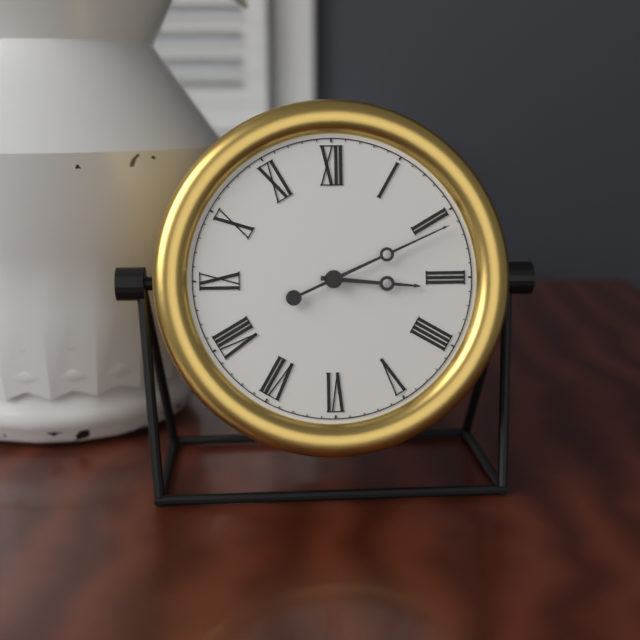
3,11
